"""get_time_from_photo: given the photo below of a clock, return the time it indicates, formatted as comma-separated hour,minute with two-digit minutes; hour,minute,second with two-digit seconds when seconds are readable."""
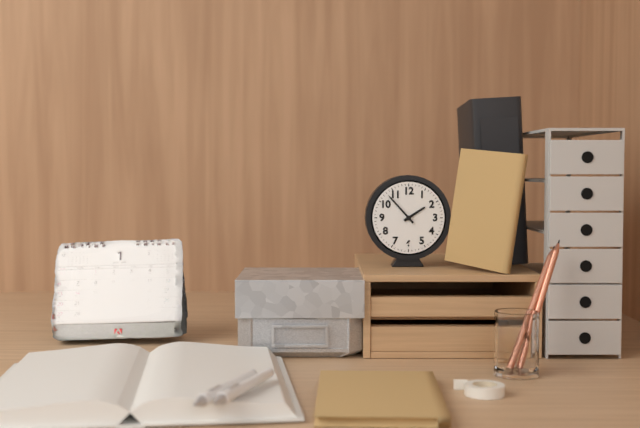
1,53
